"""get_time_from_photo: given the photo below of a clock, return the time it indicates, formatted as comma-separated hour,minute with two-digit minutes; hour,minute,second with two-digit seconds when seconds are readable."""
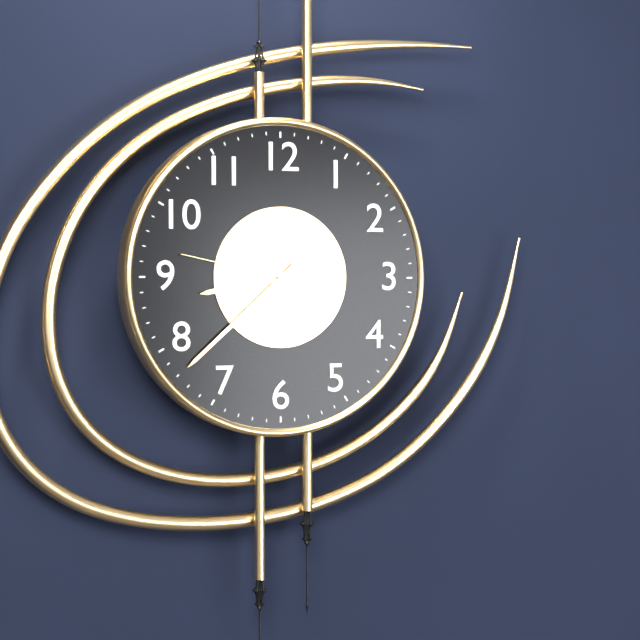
8,38,47
